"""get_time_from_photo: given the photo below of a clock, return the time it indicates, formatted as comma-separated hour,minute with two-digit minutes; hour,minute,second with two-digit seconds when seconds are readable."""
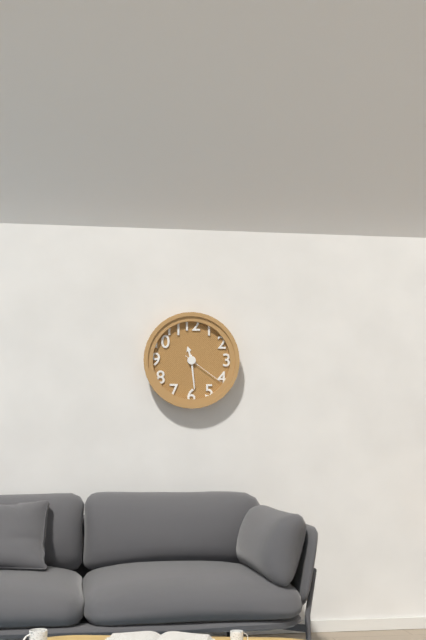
11,29
